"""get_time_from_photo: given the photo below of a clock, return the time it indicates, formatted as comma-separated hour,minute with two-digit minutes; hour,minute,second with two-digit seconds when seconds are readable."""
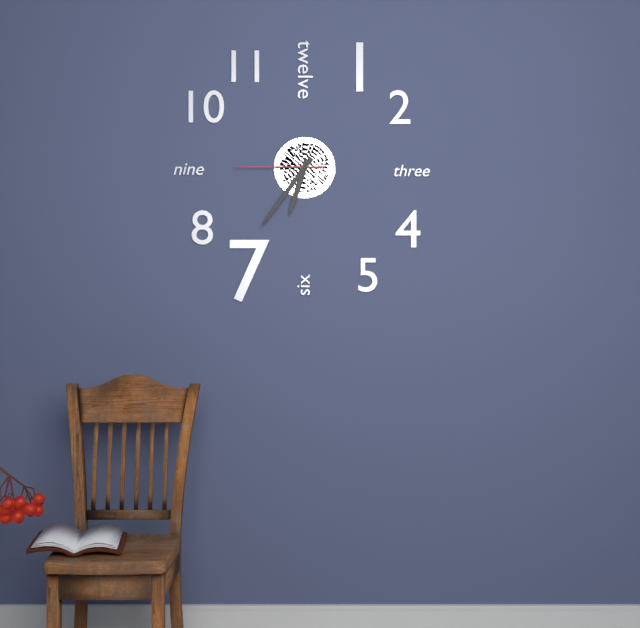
6,36,45
